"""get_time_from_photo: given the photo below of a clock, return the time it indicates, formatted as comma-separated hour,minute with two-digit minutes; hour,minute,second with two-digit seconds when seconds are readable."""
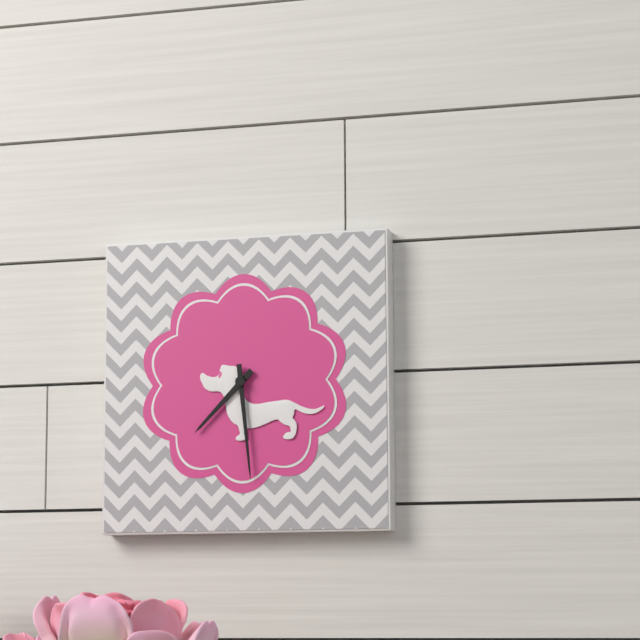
7,29
